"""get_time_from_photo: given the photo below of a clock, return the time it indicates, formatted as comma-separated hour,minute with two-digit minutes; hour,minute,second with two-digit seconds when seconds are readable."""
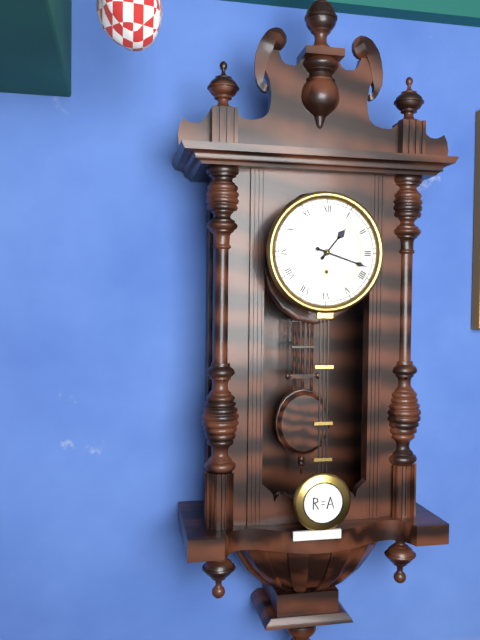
1,18
